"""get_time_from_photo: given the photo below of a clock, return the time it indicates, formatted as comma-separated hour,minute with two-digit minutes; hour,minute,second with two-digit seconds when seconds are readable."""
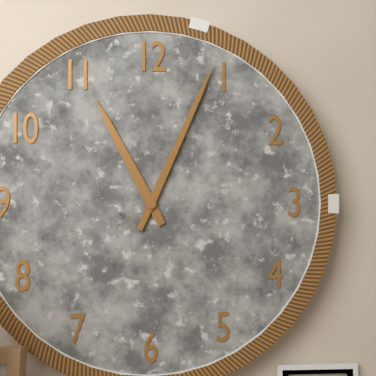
11,04
